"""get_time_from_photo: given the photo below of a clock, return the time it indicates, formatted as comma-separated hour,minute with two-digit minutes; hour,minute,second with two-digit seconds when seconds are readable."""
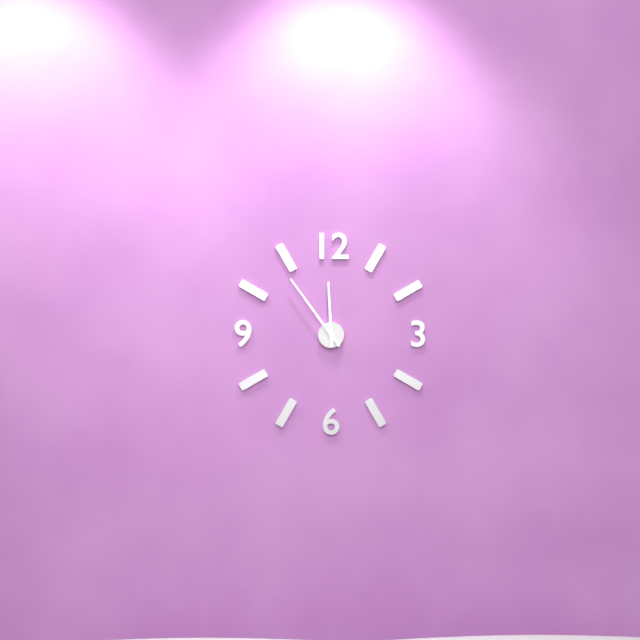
11,54
